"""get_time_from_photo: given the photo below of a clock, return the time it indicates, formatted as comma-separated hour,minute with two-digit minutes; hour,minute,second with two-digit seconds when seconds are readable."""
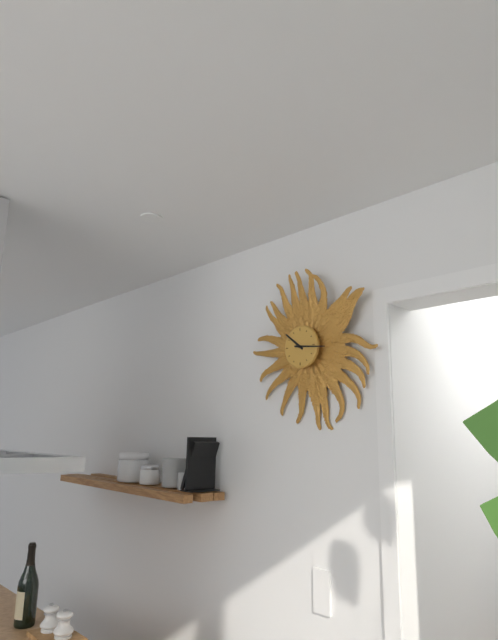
10,16
